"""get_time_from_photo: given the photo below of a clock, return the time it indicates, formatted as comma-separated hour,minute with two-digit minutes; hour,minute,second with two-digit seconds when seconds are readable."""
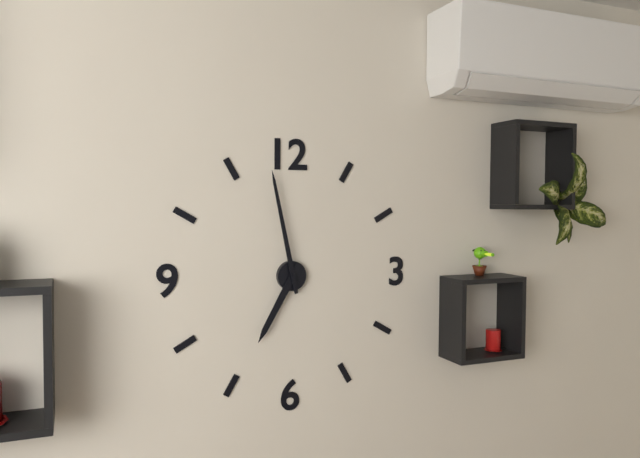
6,58
